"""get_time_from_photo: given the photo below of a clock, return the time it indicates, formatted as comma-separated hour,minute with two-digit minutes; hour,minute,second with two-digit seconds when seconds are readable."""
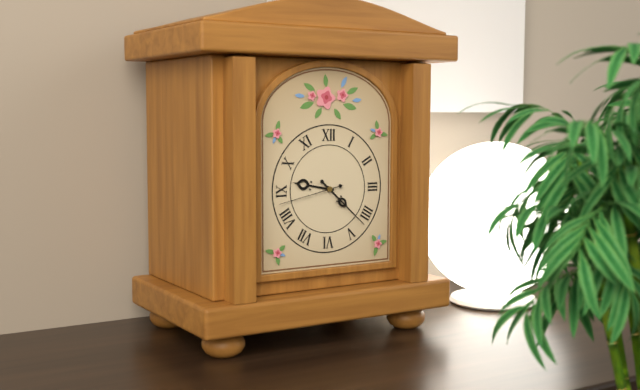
9,22
